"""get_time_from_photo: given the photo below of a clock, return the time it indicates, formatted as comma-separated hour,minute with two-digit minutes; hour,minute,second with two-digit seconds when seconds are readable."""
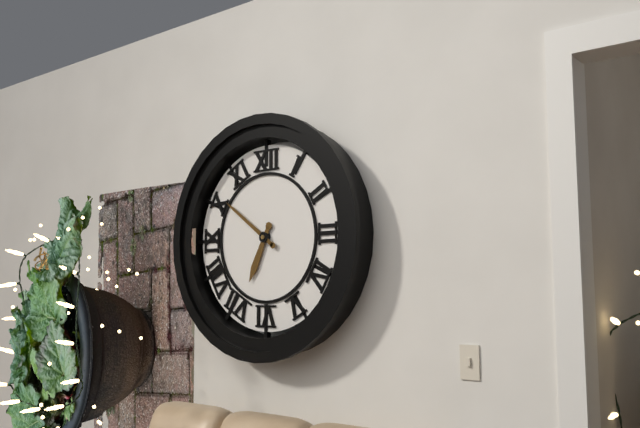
6,51
